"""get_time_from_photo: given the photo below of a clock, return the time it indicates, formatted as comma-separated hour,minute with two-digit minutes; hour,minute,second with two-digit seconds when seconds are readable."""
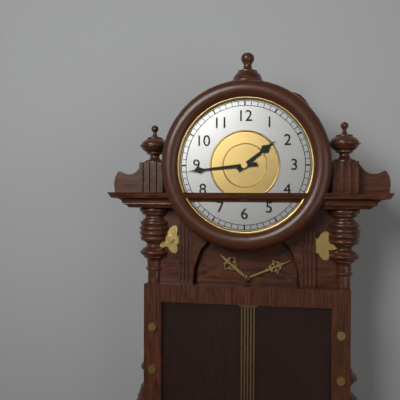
1,44
